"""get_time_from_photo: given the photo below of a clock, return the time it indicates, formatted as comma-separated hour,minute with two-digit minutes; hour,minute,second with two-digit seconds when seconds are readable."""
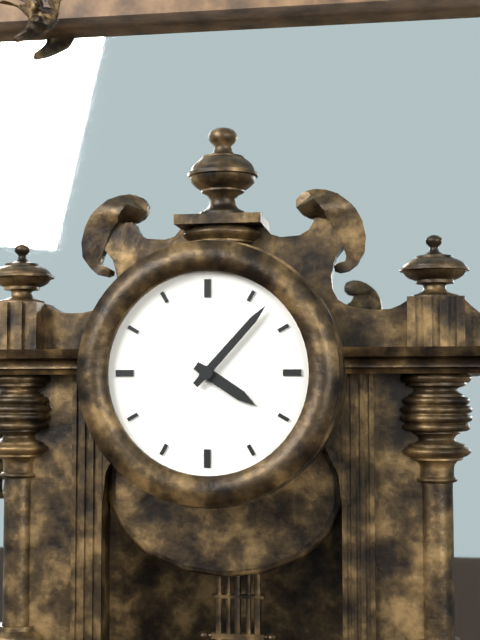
4,07
